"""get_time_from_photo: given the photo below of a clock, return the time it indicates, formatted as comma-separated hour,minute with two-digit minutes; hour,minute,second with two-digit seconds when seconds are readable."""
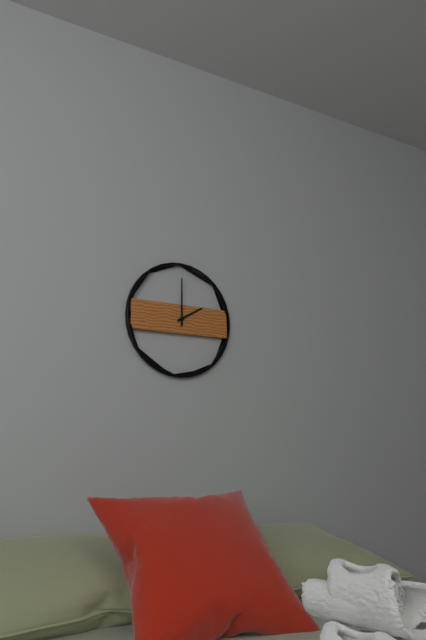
2,00
